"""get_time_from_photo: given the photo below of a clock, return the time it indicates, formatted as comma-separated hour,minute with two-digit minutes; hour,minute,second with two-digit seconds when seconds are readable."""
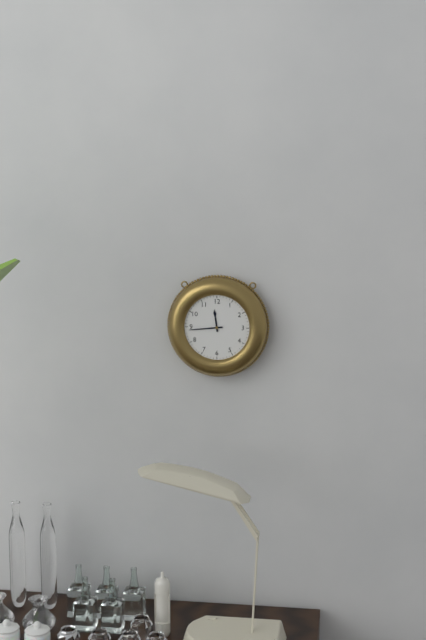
11,44
